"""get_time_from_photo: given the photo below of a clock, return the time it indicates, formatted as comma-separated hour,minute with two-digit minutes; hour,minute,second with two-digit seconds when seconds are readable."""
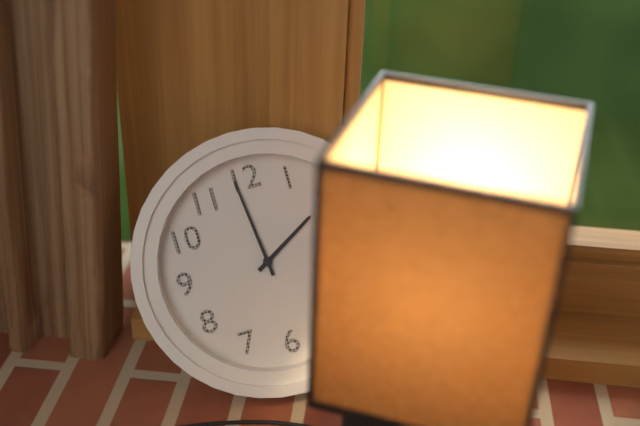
1,59
